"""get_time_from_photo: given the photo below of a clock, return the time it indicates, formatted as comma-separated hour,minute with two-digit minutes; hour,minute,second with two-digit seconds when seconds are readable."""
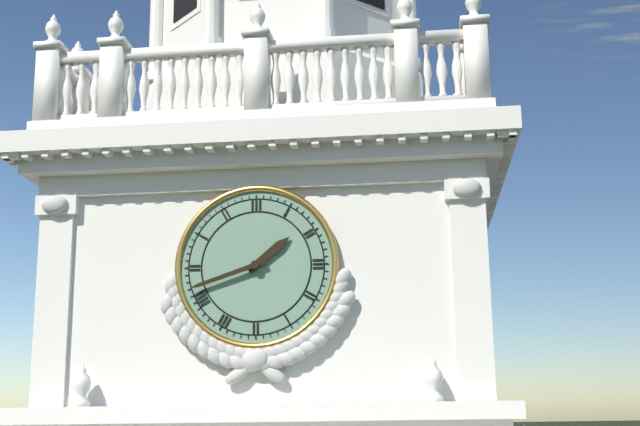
1,42
